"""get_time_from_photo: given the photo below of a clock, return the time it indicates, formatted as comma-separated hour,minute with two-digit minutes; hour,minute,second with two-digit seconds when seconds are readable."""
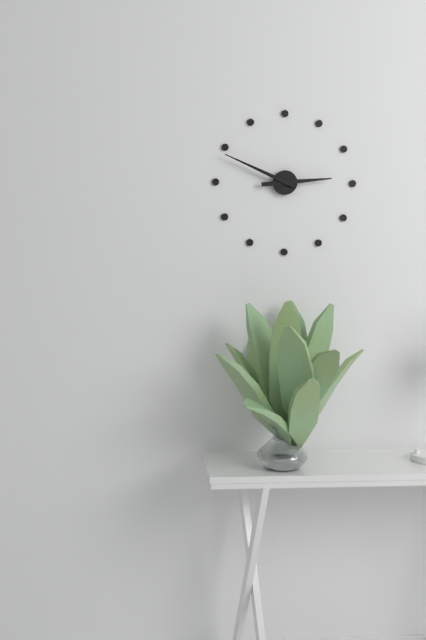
2,49
